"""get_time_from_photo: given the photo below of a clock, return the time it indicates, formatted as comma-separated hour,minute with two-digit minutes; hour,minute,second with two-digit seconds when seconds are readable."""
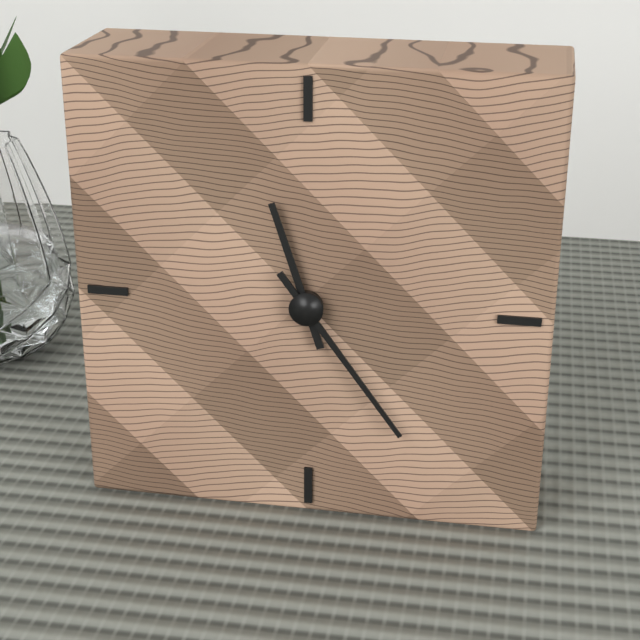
11,24
